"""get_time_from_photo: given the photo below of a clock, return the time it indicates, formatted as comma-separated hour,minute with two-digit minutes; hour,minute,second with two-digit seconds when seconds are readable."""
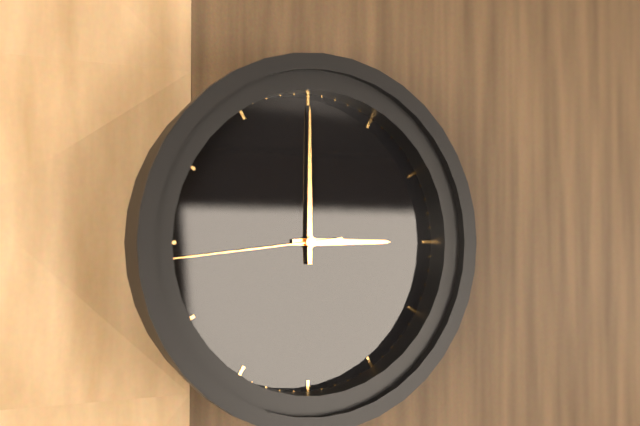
3,00,44
